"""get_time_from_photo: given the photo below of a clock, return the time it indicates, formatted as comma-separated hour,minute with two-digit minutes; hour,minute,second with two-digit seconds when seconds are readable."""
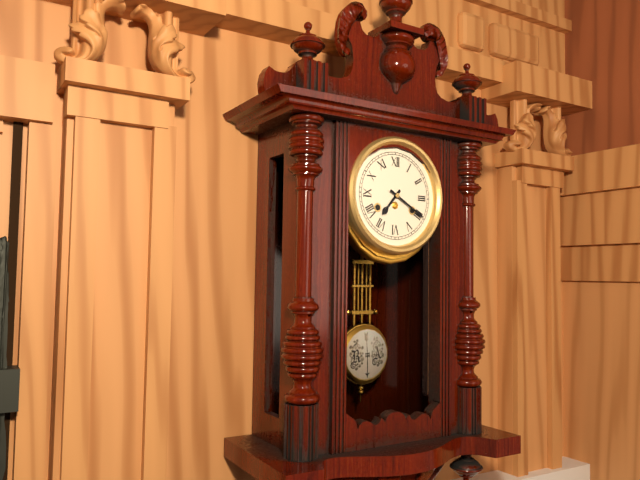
7,20
